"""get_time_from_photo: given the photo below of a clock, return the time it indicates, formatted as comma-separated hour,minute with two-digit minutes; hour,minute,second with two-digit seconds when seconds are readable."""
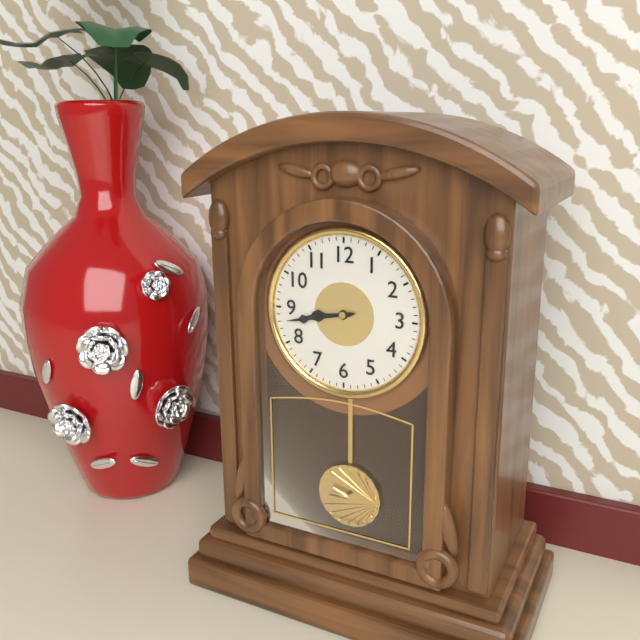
8,43
